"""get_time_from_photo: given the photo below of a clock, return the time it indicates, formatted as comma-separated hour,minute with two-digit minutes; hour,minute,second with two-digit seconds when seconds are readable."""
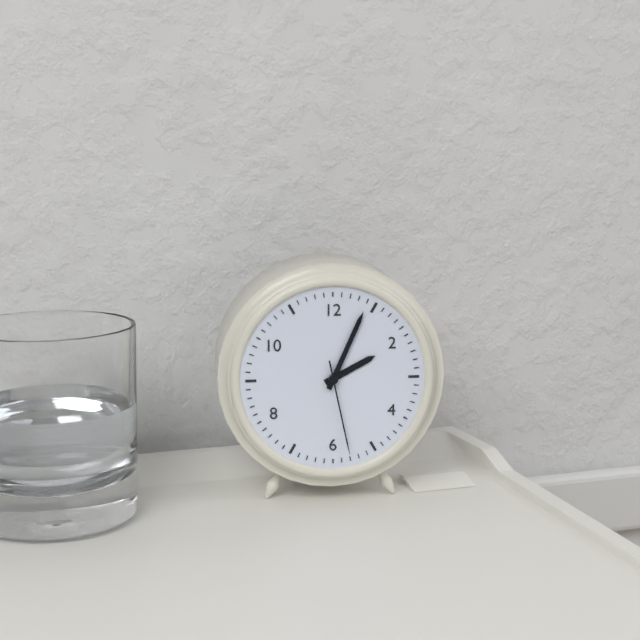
2,04,28
